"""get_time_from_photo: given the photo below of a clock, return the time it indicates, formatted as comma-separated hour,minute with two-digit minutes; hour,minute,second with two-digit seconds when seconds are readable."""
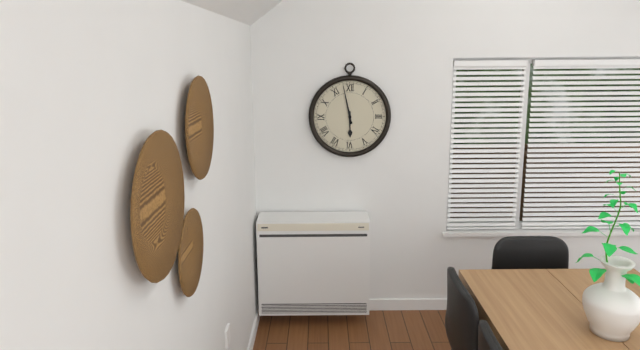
5,58
